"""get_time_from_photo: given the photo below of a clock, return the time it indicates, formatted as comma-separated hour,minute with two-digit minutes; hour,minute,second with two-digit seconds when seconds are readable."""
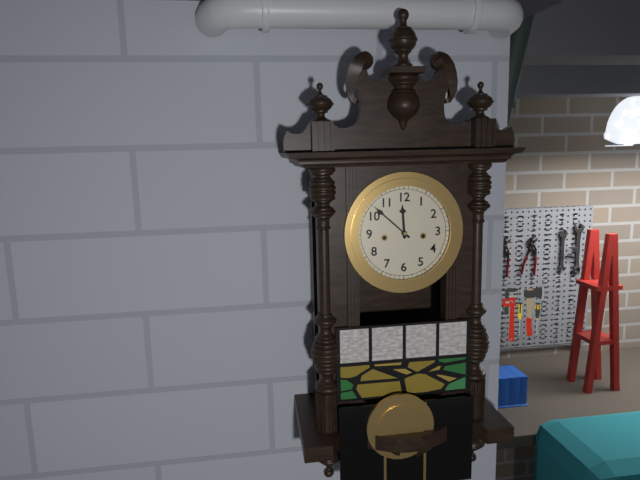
11,52
